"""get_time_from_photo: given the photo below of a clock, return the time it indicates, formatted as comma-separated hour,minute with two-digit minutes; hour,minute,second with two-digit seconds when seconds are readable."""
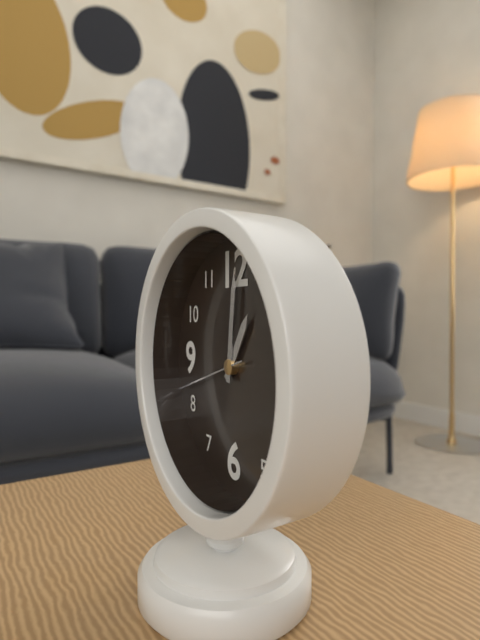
1,01,42
